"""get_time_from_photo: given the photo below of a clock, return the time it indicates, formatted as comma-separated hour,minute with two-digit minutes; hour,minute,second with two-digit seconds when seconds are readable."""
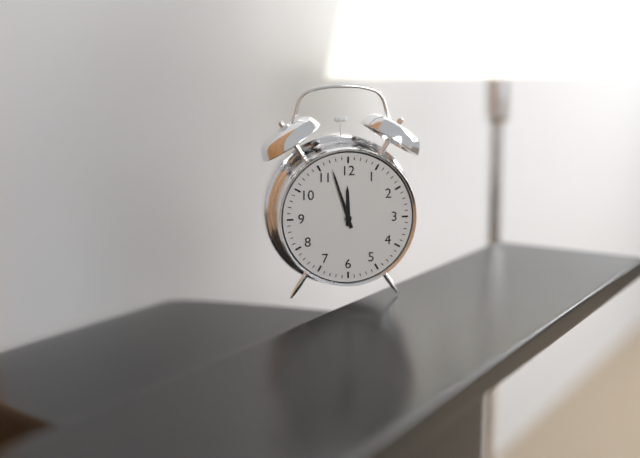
11,57
